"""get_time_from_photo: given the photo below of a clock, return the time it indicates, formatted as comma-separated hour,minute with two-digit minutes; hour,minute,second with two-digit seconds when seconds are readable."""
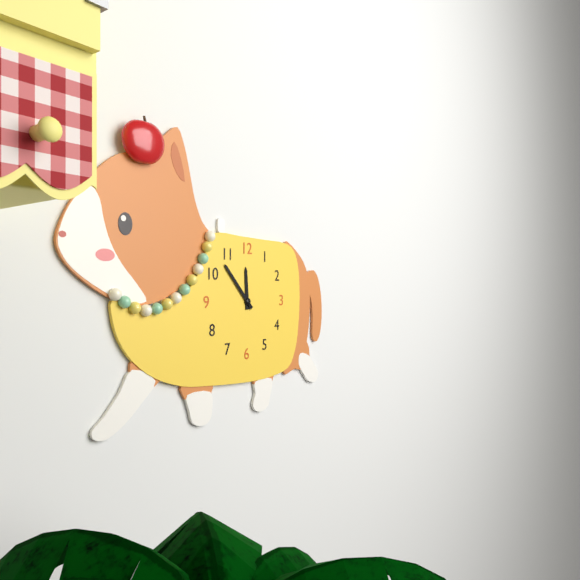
11,53
